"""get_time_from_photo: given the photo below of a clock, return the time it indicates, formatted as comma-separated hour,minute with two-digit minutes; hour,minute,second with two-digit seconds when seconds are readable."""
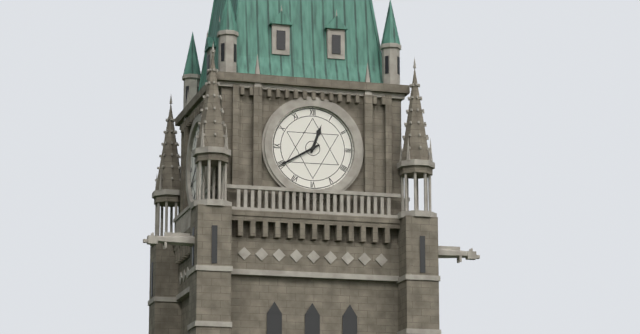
12,40
